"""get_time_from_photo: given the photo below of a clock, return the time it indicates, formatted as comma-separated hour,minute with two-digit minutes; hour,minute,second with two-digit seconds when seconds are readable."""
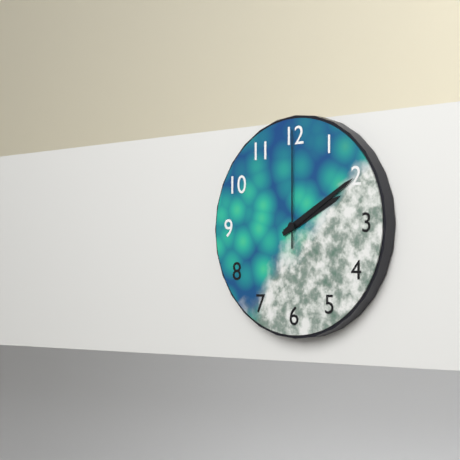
2,10,00
